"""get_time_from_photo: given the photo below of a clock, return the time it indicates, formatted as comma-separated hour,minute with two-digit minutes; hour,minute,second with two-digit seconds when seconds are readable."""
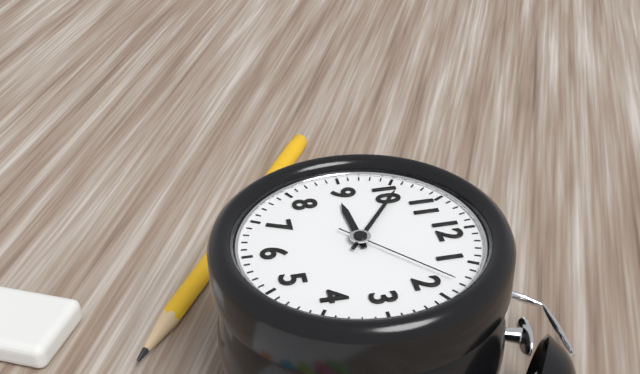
8,51,08
